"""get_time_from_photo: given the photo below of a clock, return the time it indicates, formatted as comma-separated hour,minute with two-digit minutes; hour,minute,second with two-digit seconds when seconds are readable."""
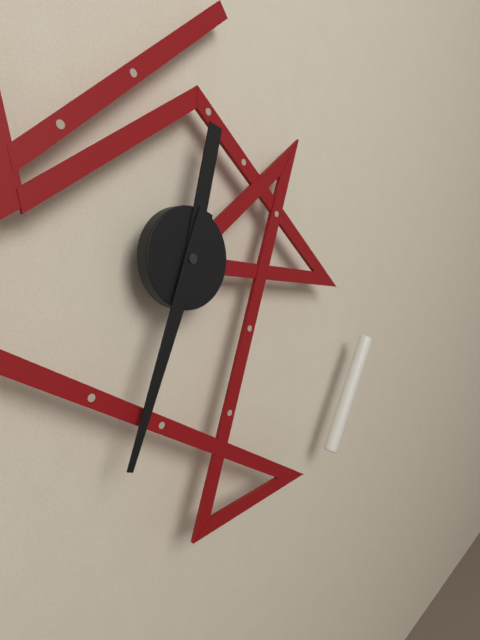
12,34
